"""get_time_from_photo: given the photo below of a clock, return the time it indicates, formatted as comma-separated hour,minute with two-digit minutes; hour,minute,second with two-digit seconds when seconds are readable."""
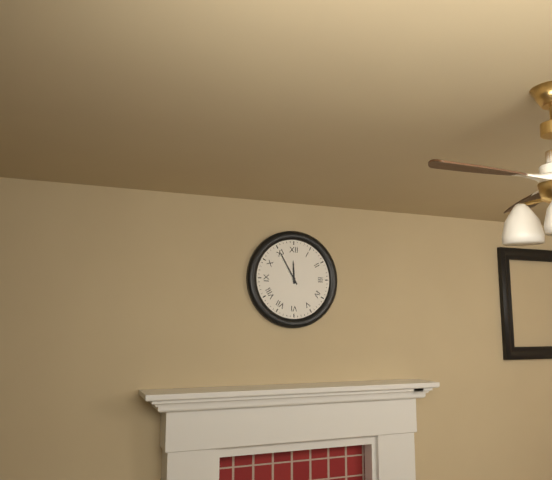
11,55
